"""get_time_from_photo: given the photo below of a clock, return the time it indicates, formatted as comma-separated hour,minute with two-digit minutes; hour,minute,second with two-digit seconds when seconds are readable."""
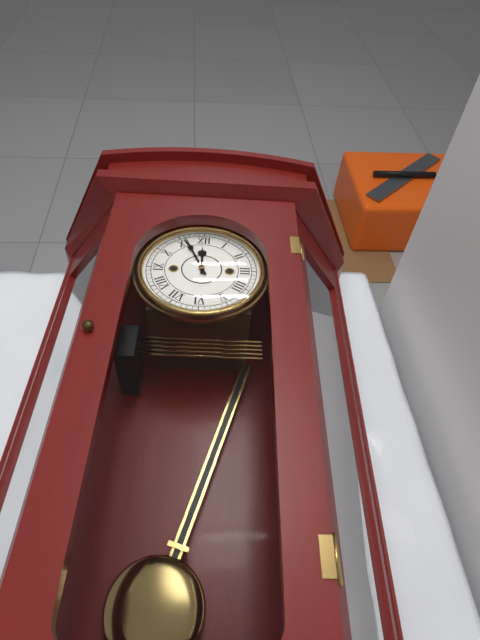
11,56
